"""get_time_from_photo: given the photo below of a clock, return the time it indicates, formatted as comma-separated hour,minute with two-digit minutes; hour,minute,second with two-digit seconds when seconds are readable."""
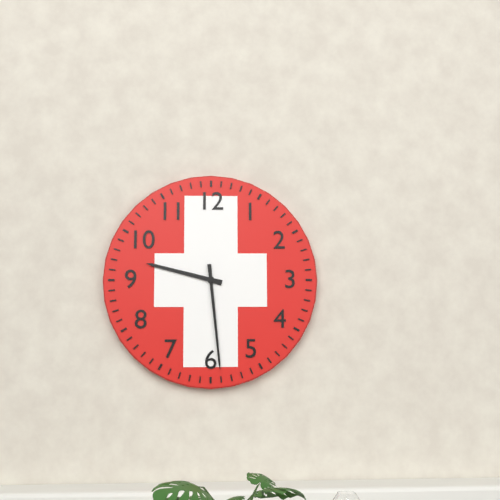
9,29
